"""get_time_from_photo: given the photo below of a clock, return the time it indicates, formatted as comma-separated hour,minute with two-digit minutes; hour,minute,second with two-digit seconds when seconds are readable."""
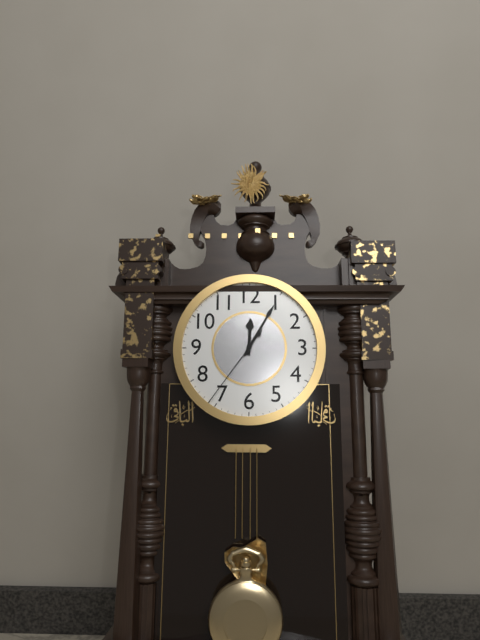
12,05,36
